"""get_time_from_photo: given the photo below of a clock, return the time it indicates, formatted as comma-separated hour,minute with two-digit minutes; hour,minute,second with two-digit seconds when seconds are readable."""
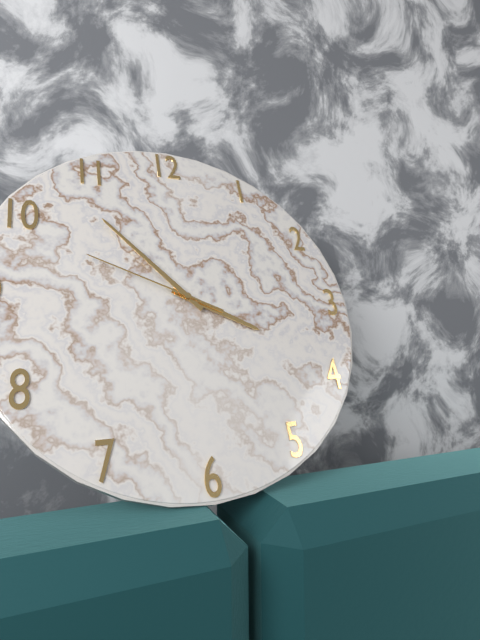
3,53,49
